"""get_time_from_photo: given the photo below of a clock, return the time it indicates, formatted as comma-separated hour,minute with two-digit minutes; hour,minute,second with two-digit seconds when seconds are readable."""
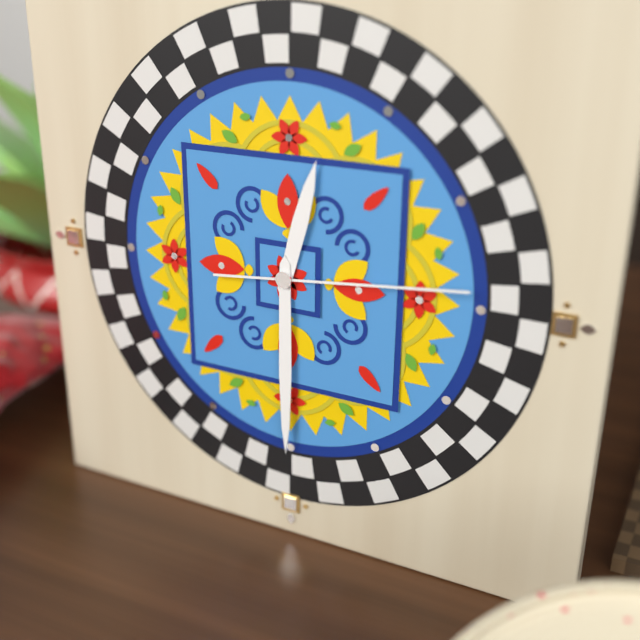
12,30,14
